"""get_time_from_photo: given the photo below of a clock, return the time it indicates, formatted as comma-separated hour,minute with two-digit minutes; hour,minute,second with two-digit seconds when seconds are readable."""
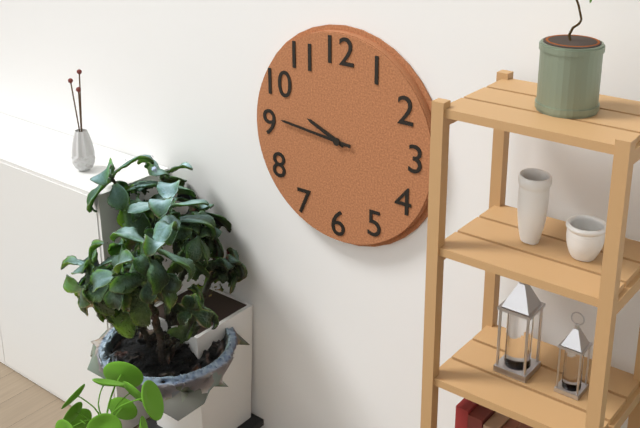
9,46
